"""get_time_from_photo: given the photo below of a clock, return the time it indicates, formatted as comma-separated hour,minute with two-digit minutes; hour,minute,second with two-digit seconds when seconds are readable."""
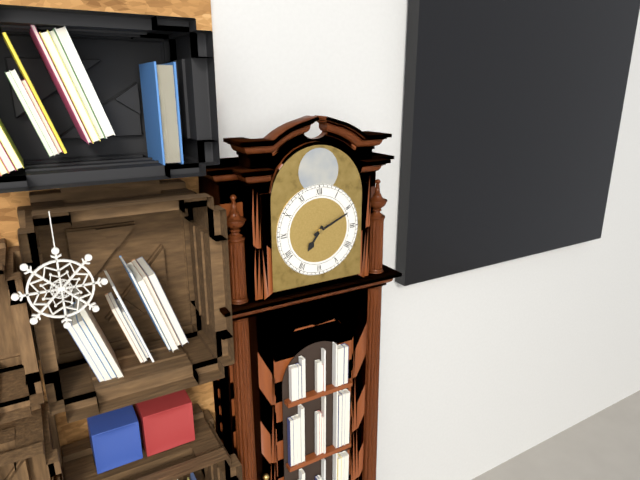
7,11
